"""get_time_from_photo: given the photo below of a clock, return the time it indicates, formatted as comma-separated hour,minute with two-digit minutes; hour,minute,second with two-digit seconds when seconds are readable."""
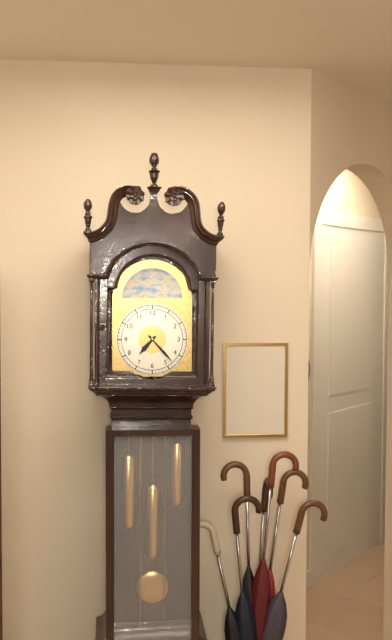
7,23
